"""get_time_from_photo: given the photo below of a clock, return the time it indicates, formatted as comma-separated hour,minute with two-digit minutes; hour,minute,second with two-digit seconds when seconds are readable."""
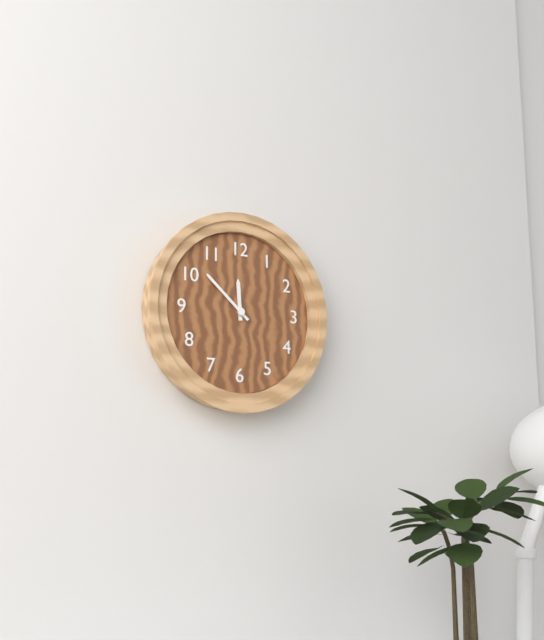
11,52
